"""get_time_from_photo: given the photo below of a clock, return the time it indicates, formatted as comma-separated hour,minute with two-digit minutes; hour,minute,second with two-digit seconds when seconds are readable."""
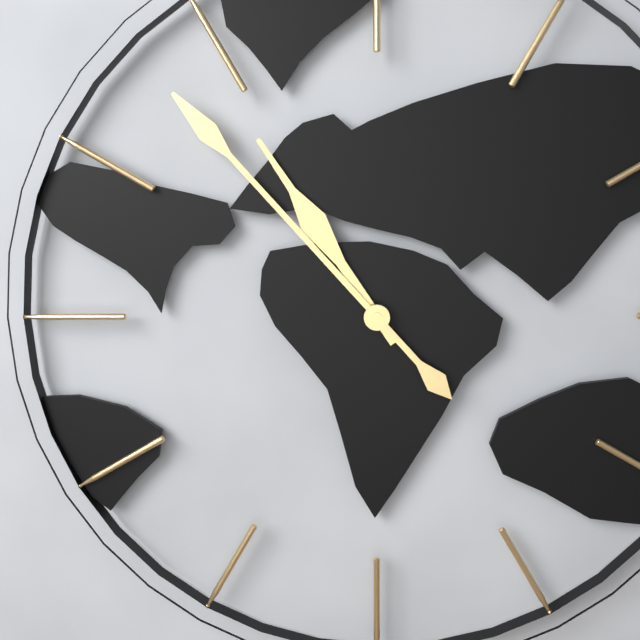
10,53
